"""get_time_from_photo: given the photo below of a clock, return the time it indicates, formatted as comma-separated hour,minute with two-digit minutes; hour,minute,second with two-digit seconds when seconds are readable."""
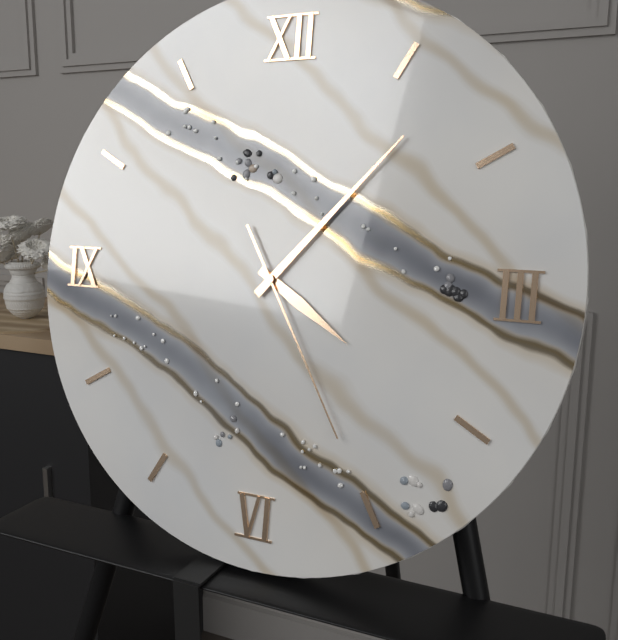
4,07,25
